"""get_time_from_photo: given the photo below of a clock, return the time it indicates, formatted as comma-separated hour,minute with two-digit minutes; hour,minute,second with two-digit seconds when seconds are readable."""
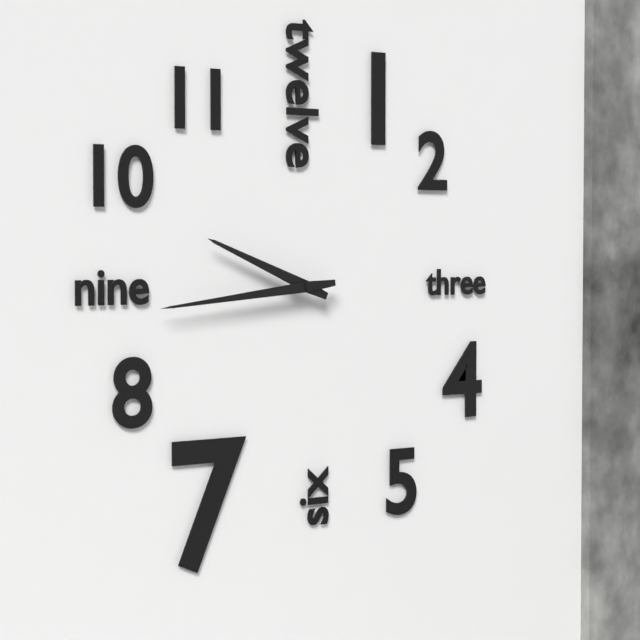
9,44
